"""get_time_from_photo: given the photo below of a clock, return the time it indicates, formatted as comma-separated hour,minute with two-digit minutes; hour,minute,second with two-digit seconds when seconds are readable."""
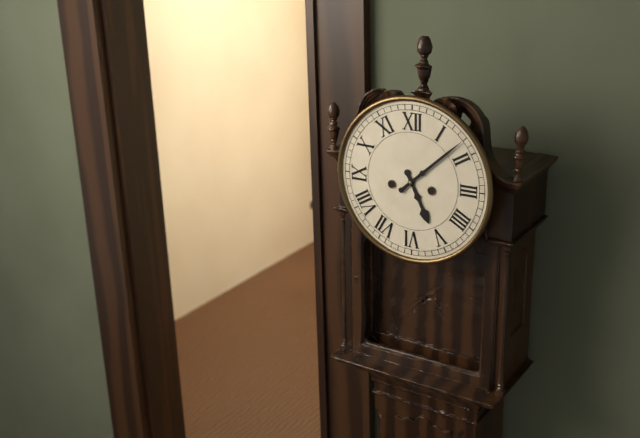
5,08
